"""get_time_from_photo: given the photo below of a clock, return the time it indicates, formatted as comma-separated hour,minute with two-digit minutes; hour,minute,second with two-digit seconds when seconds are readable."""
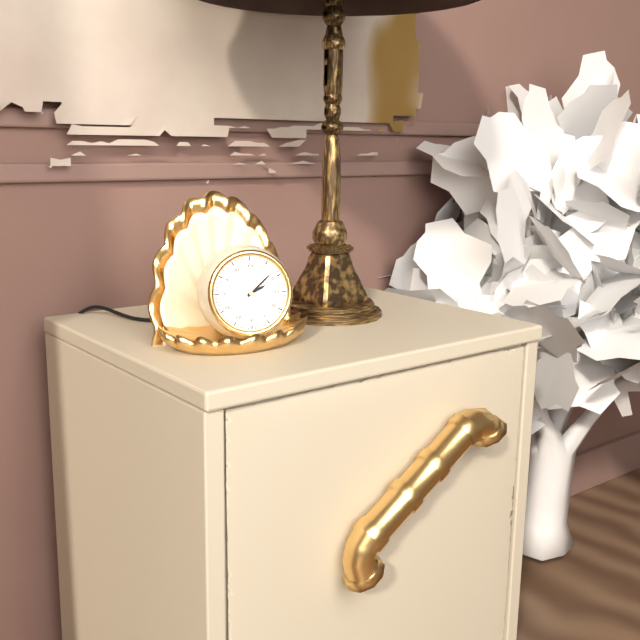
2,08
